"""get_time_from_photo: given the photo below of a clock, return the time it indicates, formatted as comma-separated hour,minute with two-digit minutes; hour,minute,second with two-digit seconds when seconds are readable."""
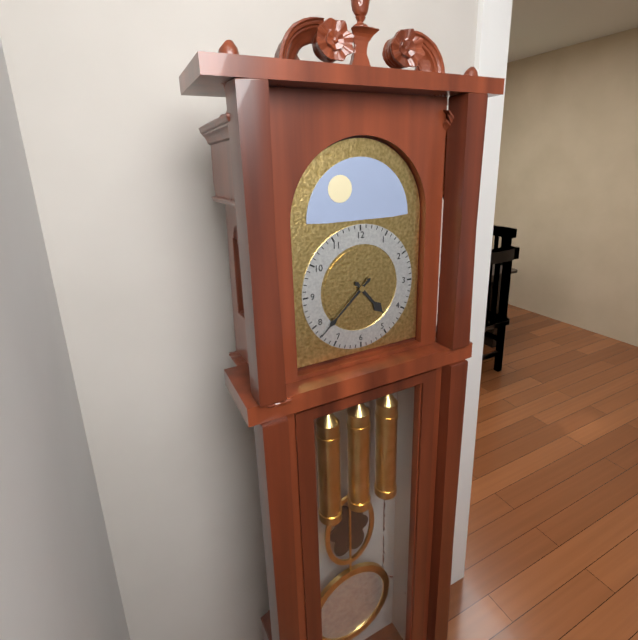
4,38
